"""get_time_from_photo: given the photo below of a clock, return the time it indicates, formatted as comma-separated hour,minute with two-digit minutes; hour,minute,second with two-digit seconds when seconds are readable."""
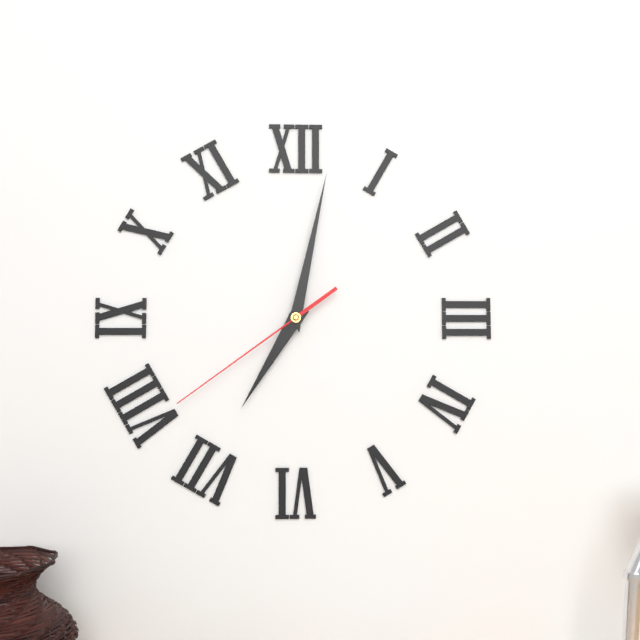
7,02,39
